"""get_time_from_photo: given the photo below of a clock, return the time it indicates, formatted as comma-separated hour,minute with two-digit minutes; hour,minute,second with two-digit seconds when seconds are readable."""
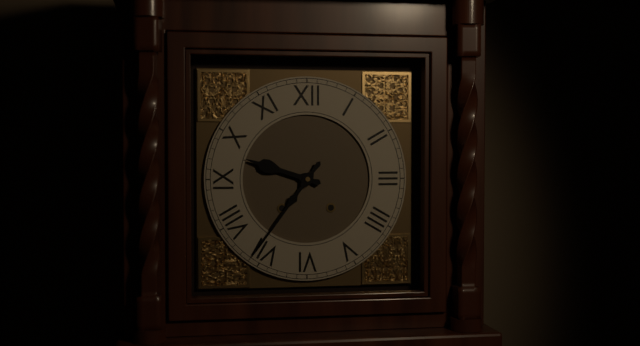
9,36
